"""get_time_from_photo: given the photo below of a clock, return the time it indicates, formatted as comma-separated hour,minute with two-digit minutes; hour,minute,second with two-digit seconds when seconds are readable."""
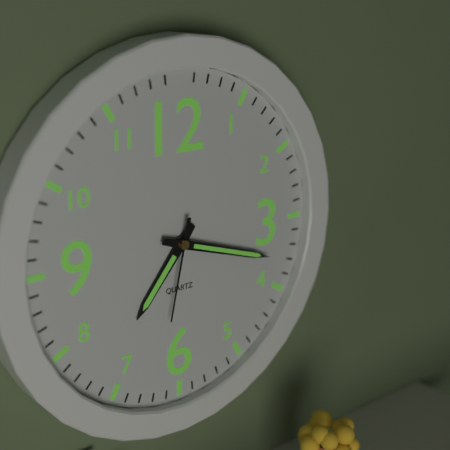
7,18,32
